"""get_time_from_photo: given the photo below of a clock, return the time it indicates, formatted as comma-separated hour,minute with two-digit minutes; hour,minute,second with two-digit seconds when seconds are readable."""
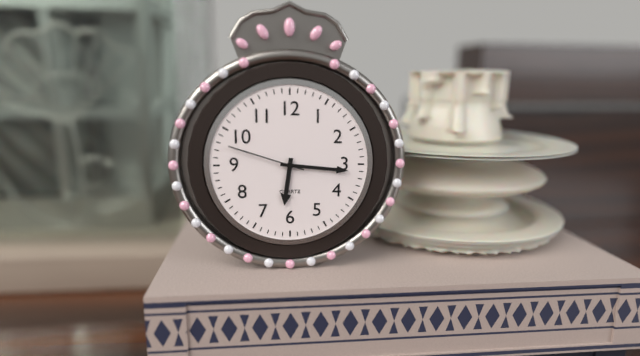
6,16,48
